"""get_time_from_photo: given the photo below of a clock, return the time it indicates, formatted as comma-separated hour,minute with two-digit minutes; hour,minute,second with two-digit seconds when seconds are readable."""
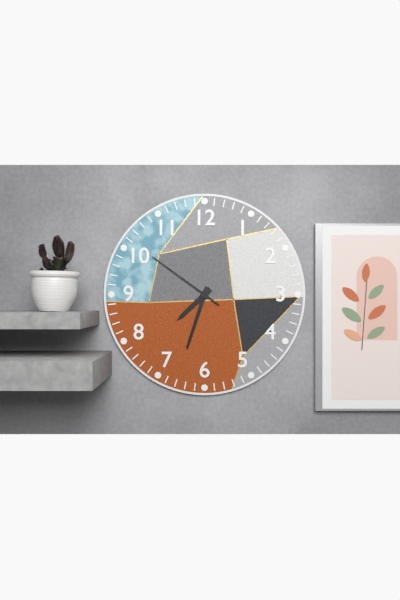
7,33,51
